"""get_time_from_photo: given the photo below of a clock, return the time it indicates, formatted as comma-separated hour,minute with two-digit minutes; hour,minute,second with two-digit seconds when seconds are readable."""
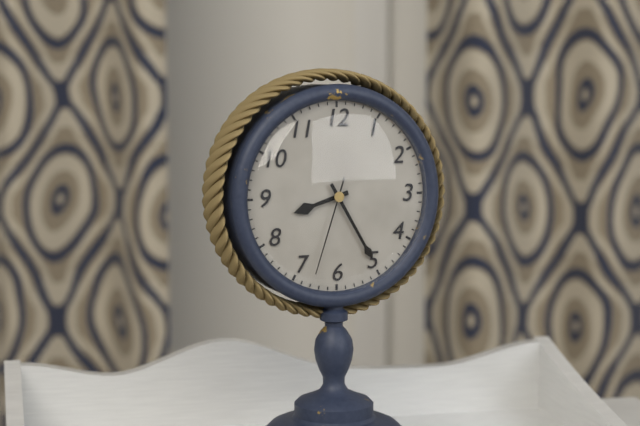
8,25,33
